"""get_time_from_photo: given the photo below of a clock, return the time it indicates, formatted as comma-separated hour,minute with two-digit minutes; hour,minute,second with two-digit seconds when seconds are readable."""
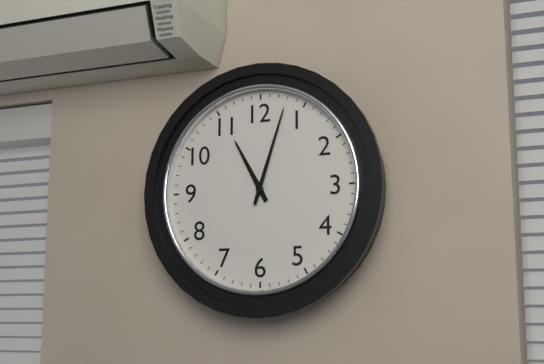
11,03
